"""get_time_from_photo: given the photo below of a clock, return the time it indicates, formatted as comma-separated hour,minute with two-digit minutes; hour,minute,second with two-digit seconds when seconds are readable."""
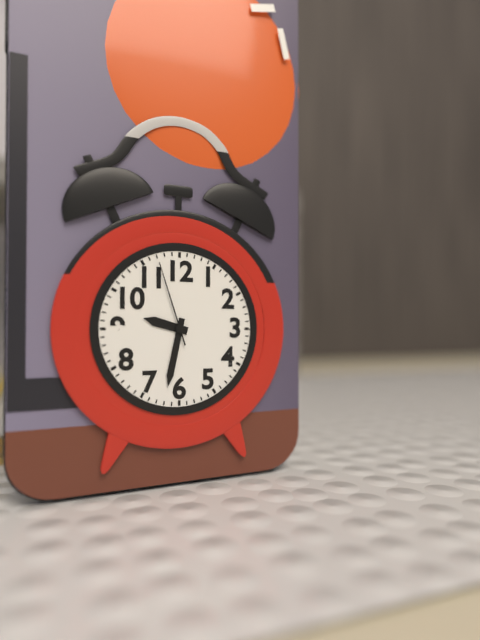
9,32,57
